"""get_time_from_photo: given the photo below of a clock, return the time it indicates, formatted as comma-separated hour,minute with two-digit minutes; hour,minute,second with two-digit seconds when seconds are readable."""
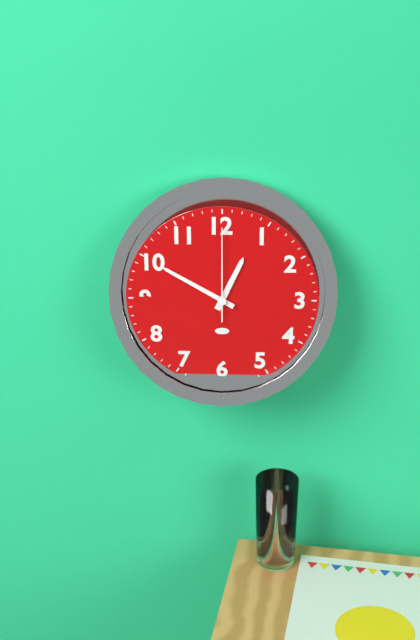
12,50,00
